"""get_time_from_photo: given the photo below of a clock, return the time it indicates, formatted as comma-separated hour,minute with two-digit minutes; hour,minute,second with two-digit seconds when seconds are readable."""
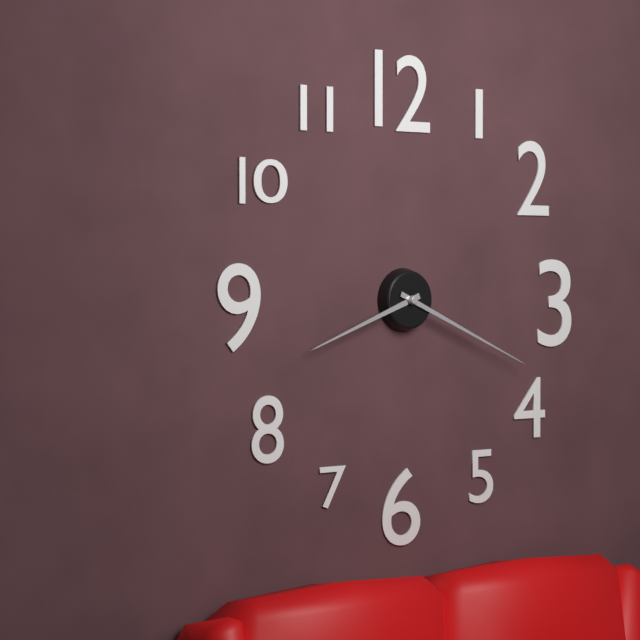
8,19
